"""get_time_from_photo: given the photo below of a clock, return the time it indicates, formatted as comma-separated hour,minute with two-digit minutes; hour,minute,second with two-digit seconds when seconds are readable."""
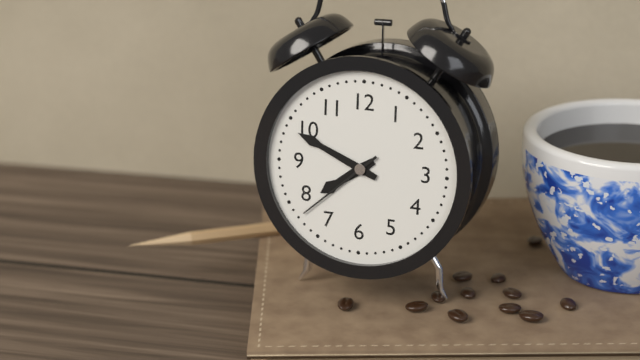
7,49,38
